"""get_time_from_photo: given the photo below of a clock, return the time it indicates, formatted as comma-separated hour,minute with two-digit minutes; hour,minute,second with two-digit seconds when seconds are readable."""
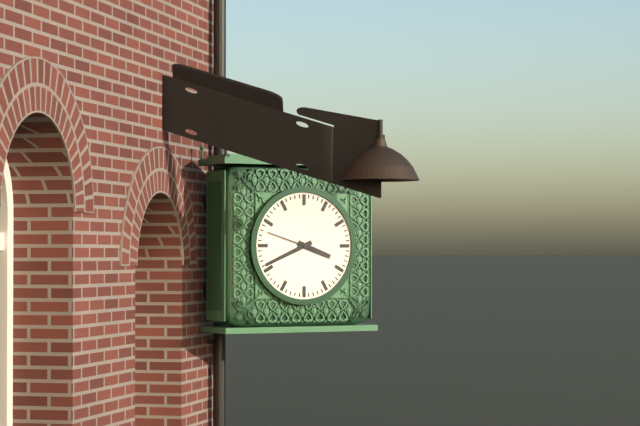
3,41
